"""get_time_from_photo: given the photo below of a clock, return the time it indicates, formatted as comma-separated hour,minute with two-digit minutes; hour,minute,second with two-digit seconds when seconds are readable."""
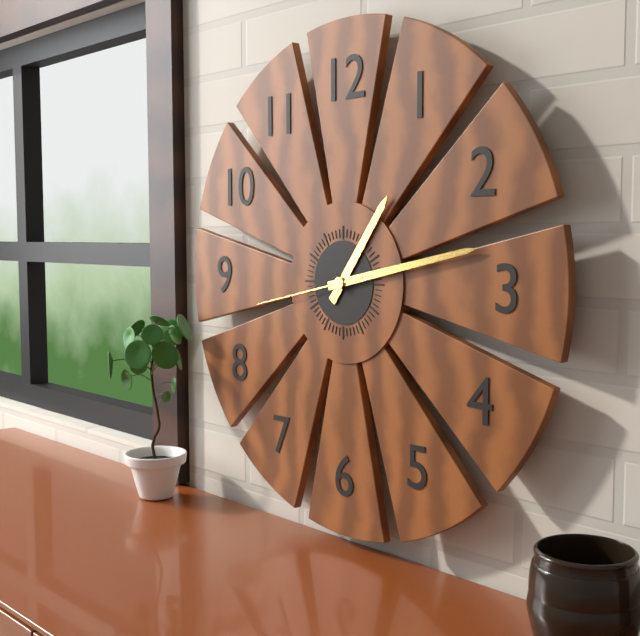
1,13,43
